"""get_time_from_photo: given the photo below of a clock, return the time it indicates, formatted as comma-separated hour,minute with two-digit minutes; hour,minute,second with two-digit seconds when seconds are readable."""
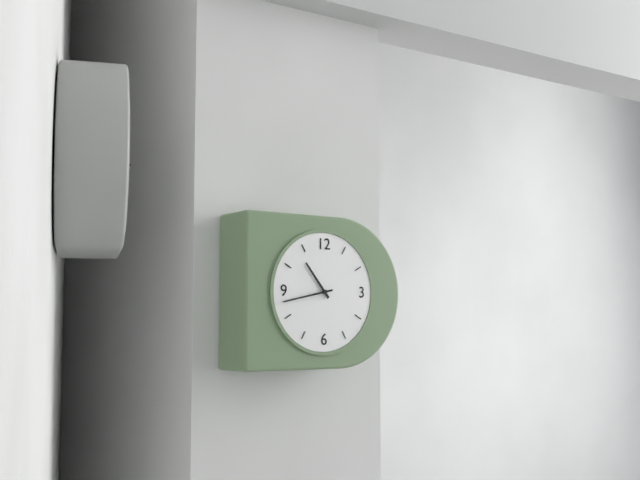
10,43
